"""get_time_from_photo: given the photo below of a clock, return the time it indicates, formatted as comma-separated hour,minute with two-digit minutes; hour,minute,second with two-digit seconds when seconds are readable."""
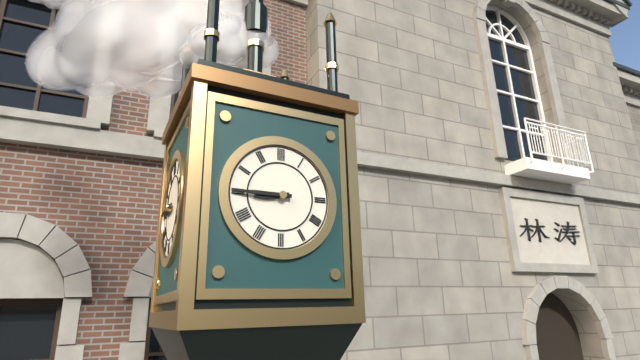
8,45
